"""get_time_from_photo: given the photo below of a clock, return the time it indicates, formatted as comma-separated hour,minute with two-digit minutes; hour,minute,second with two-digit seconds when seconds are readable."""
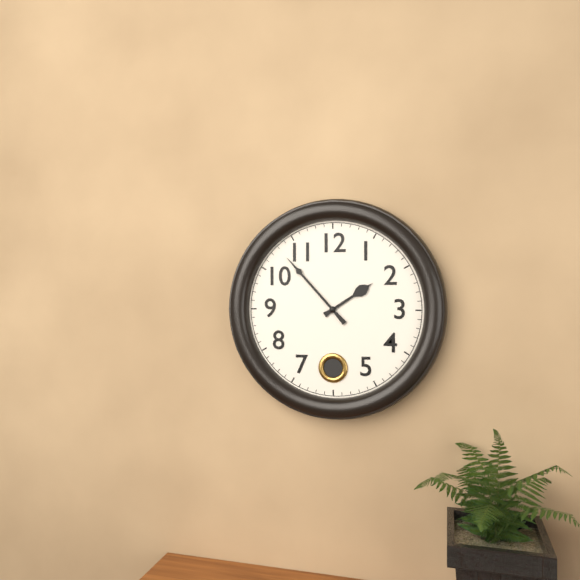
1,53
